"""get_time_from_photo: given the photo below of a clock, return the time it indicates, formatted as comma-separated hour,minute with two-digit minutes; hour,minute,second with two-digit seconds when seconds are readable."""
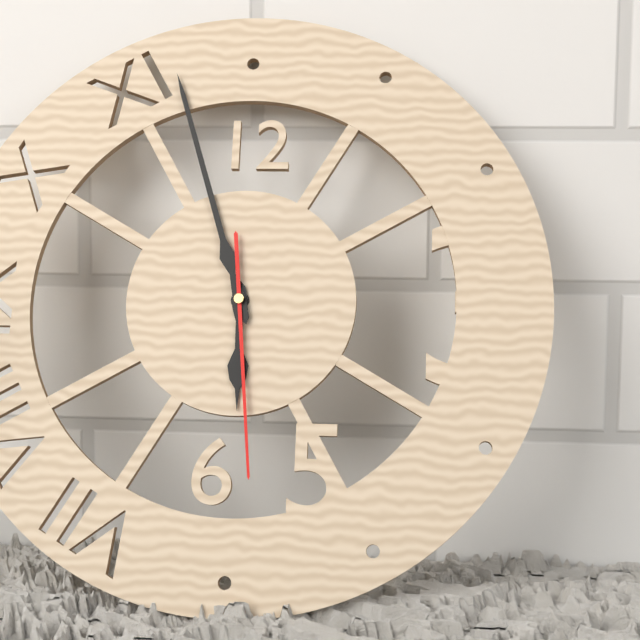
5,57,29
